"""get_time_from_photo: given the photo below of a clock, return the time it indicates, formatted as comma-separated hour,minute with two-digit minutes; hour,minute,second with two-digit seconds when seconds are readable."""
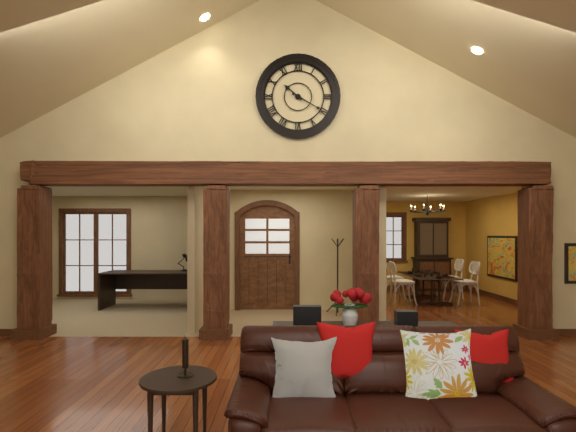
10,20
